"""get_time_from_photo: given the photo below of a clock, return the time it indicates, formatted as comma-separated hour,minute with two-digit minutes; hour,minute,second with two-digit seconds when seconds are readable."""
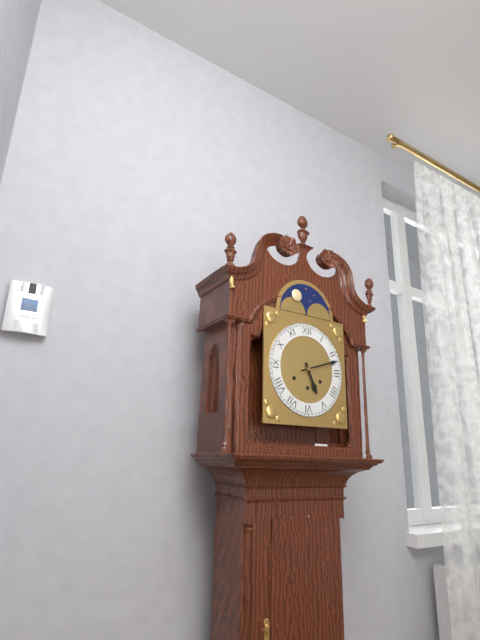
5,12
